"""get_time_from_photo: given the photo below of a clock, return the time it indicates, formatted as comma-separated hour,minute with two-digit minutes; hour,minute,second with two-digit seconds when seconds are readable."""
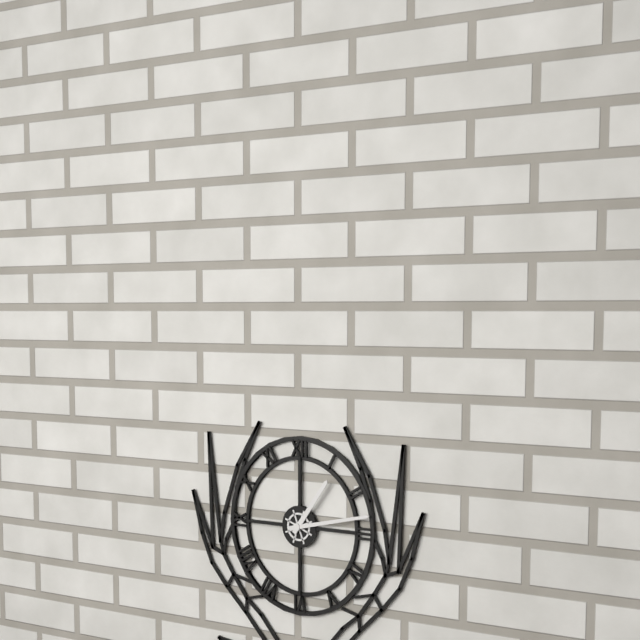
1,13
